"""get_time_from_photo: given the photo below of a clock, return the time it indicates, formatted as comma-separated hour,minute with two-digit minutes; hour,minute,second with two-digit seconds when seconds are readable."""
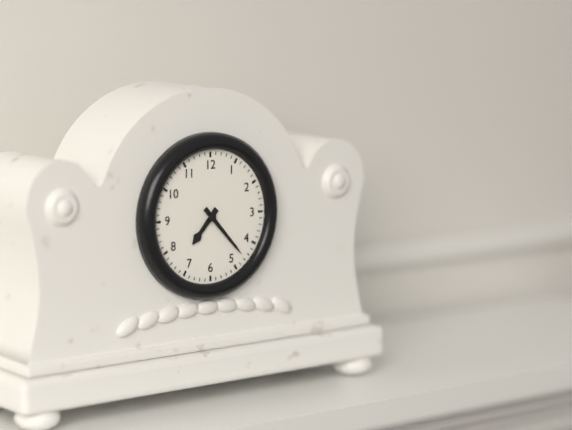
7,23
